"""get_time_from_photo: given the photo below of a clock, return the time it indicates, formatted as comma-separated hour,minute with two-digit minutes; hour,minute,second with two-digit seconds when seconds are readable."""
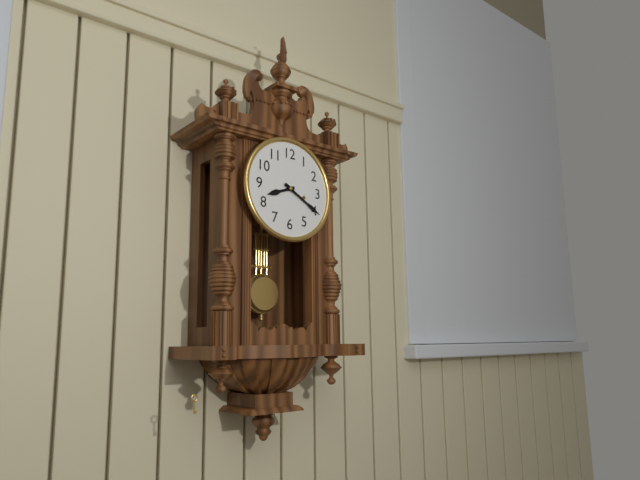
8,20
